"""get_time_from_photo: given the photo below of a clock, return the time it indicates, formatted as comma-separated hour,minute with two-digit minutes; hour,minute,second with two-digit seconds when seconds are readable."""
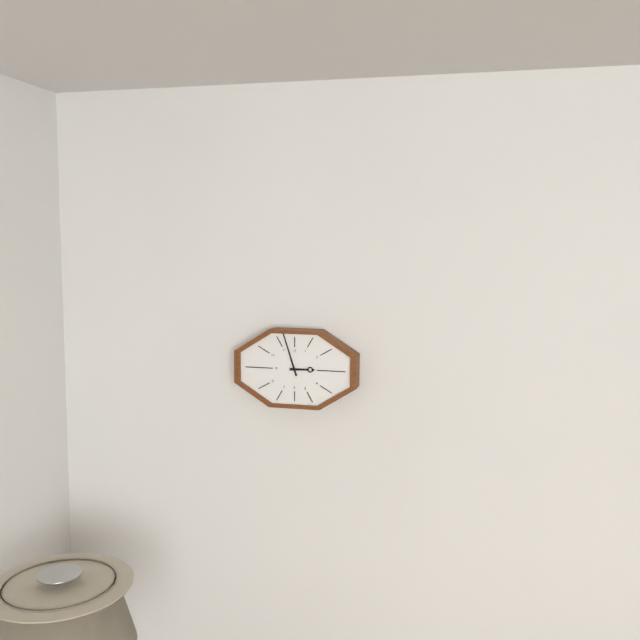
2,57
